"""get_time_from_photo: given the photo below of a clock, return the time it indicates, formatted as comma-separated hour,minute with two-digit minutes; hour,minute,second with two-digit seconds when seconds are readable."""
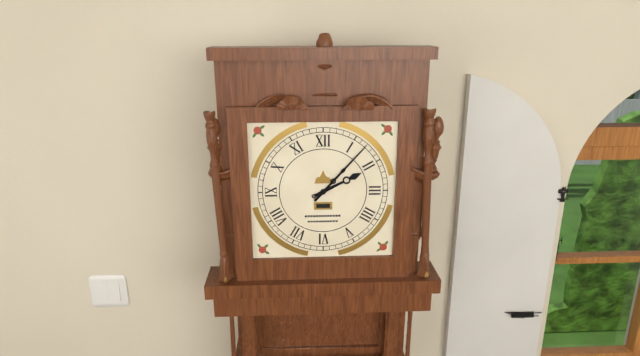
2,07
